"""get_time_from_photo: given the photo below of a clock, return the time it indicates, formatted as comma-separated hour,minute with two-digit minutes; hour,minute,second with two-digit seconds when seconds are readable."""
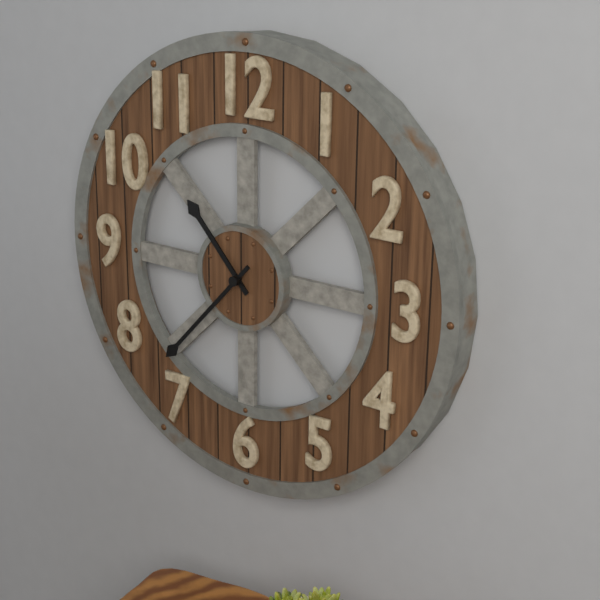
10,37
